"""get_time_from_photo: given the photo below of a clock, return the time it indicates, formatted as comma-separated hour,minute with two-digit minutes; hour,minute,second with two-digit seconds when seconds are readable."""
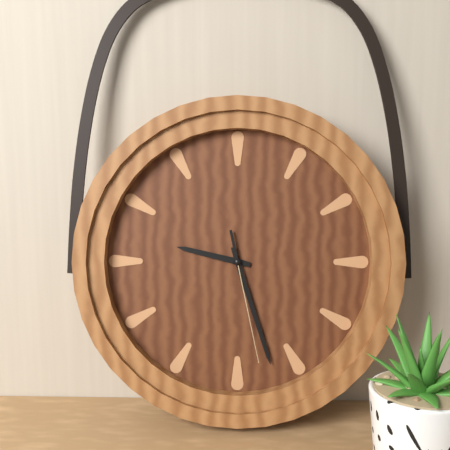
9,27,28
